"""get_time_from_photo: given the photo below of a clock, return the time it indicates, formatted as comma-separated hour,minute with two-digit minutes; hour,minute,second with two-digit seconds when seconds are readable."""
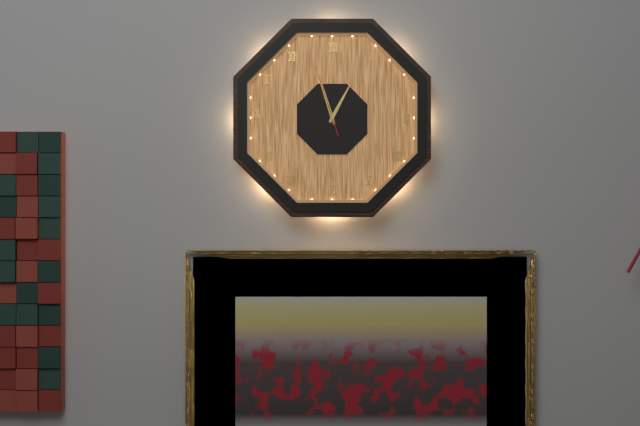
12,57,57
